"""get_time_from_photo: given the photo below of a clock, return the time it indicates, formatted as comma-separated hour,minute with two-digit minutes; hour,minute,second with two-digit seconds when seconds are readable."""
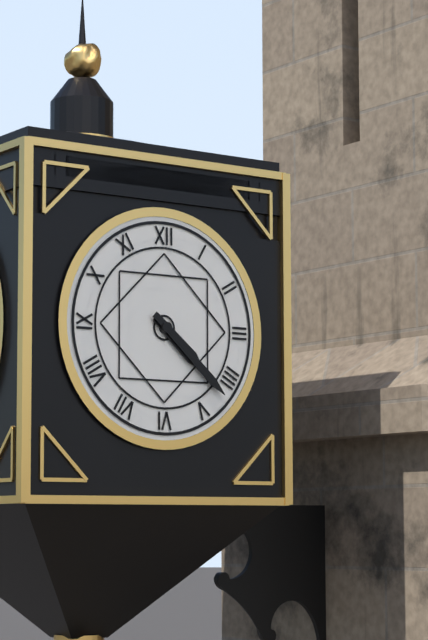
4,22
